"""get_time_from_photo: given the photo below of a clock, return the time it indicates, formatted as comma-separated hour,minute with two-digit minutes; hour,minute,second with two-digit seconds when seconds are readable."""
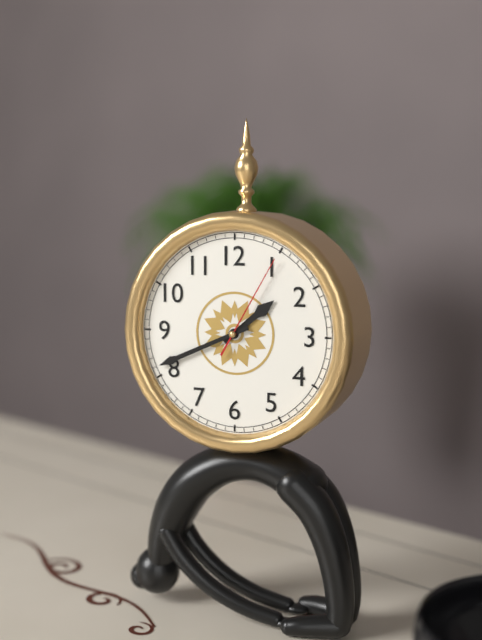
1,41,05
